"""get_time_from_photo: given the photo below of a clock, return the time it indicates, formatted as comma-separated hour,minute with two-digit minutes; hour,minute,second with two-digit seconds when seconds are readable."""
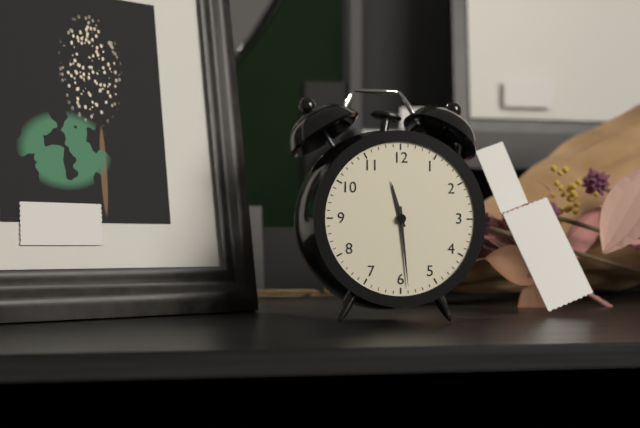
11,29
